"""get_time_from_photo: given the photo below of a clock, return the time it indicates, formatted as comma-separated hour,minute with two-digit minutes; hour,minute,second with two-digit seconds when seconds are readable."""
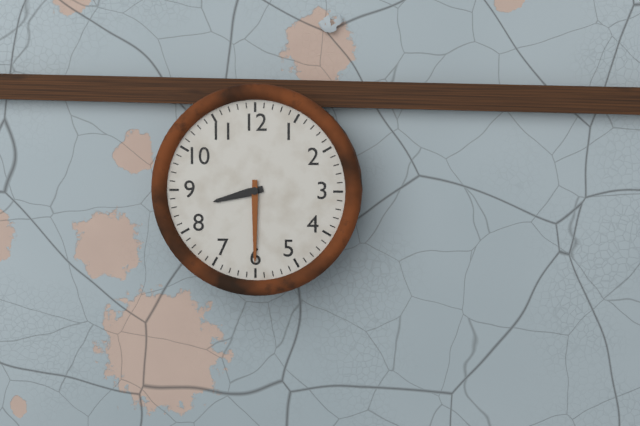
8,30
